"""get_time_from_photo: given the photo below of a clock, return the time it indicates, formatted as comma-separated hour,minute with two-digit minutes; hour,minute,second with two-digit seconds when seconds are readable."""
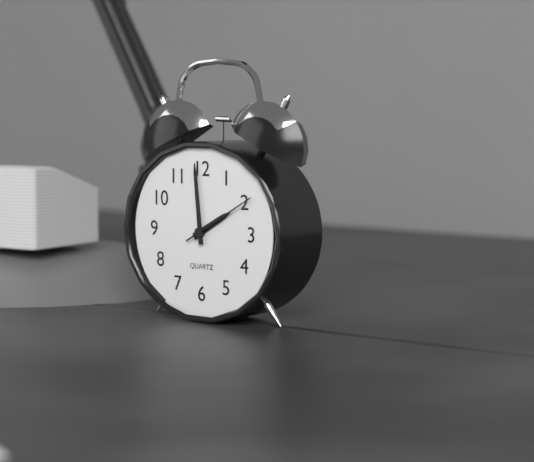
1,59,10
